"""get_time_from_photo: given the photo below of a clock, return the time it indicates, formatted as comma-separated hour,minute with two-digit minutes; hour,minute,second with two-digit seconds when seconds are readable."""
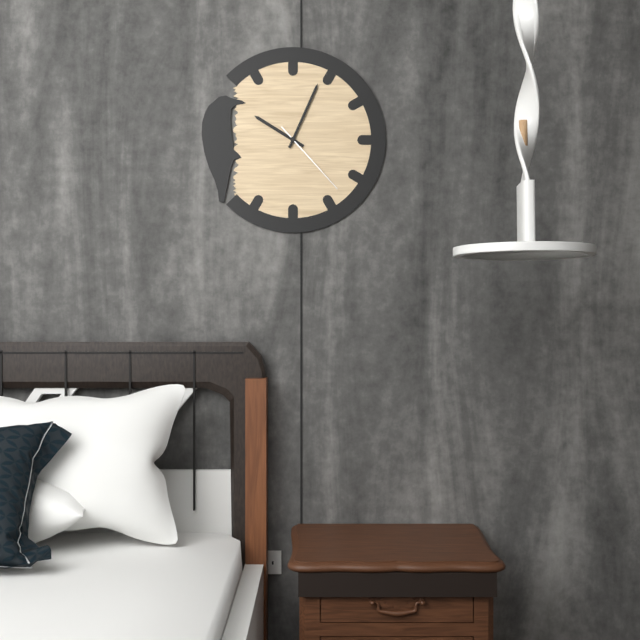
10,04,23
